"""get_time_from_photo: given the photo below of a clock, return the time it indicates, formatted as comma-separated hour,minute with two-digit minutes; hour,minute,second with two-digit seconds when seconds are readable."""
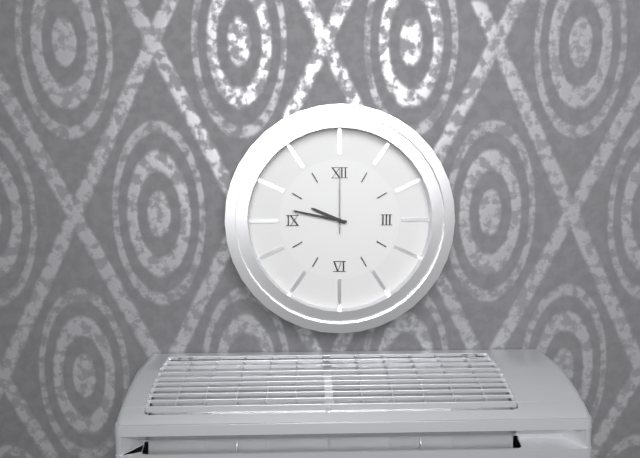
9,47,00
